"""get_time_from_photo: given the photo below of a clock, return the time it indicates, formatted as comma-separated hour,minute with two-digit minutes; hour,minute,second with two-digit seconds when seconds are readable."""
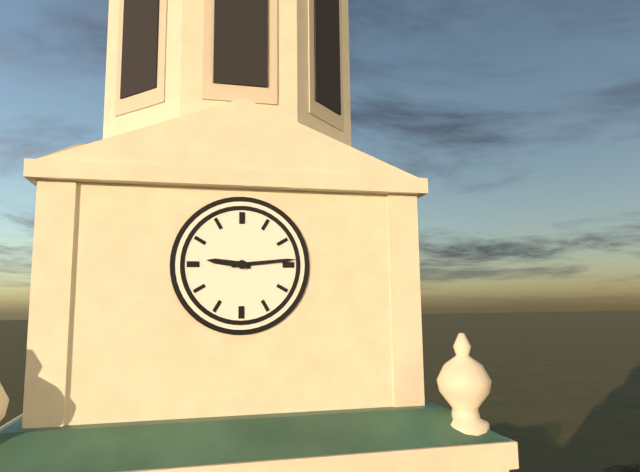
9,14
